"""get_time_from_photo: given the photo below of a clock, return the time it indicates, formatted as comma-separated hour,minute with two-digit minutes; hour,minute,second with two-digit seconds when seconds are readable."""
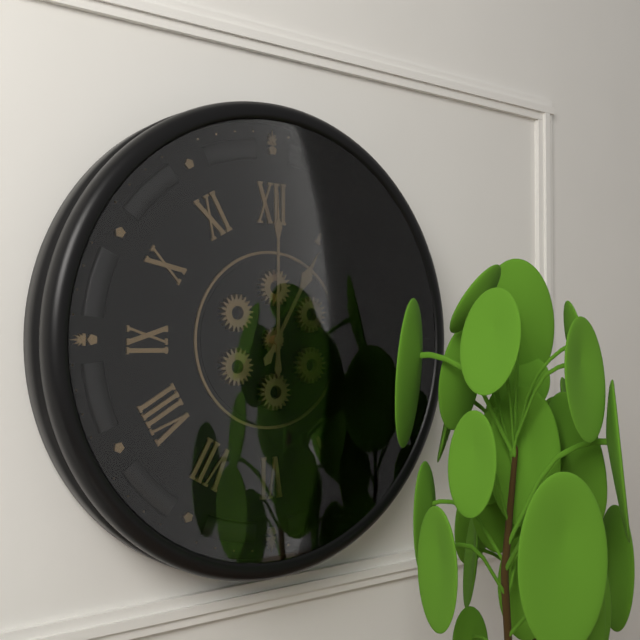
1,00
